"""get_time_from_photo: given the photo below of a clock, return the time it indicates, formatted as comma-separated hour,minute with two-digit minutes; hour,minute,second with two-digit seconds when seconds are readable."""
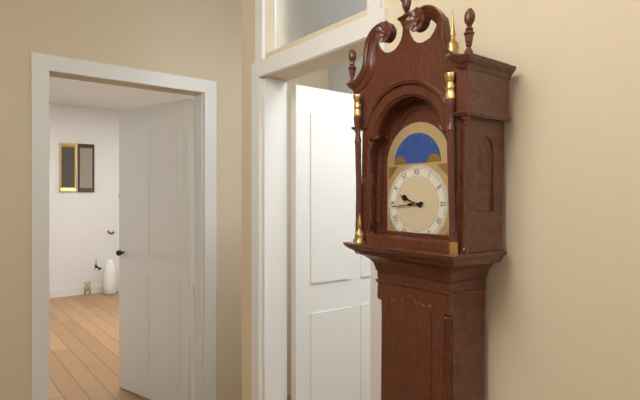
9,44
